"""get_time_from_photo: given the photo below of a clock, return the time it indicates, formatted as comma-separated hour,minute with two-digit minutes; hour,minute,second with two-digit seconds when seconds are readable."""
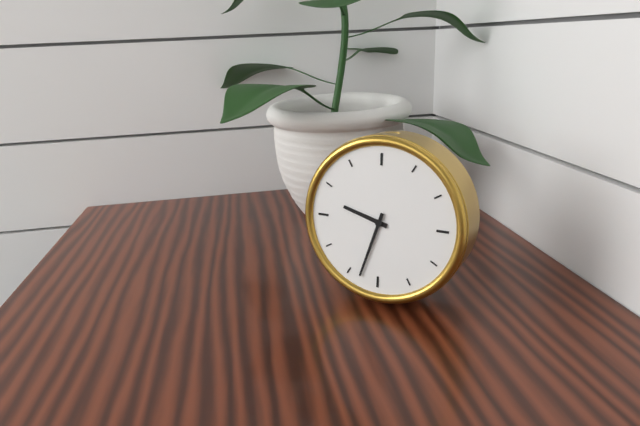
9,33
